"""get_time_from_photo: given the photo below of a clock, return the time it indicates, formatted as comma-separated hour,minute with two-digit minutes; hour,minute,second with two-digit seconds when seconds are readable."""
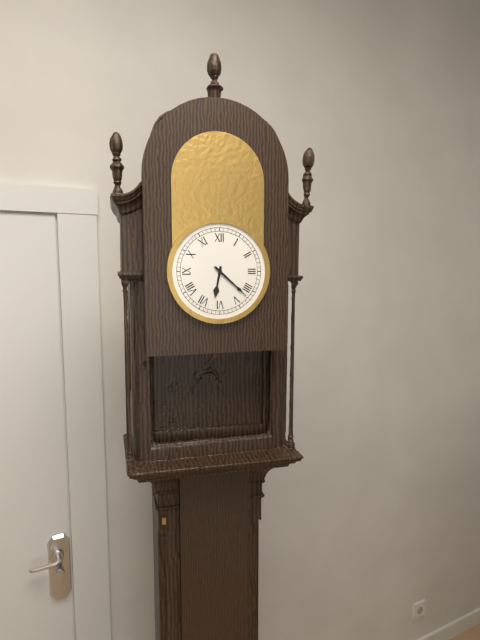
6,22
